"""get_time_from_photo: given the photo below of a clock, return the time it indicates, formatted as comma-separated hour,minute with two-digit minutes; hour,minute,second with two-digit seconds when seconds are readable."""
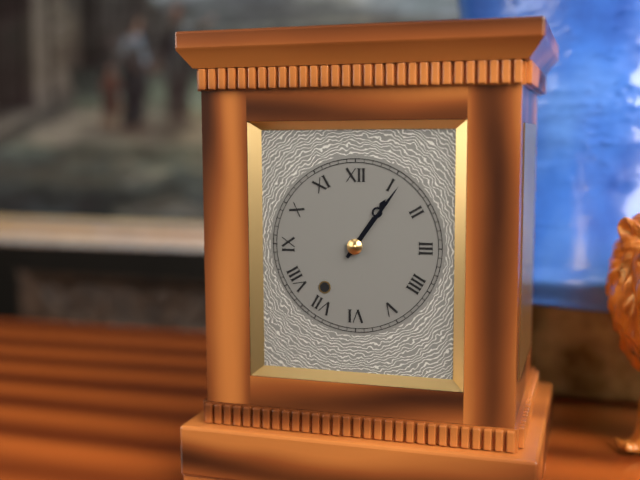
1,06
